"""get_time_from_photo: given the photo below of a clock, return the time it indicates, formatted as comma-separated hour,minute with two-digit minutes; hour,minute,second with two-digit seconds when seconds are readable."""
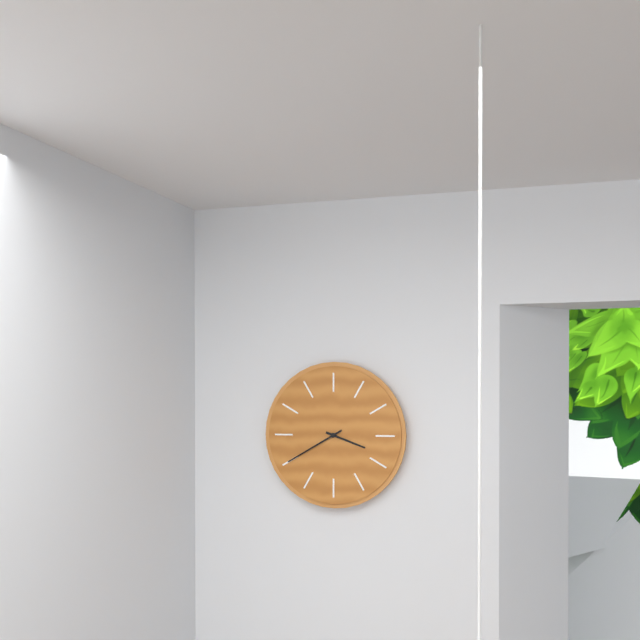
3,40
